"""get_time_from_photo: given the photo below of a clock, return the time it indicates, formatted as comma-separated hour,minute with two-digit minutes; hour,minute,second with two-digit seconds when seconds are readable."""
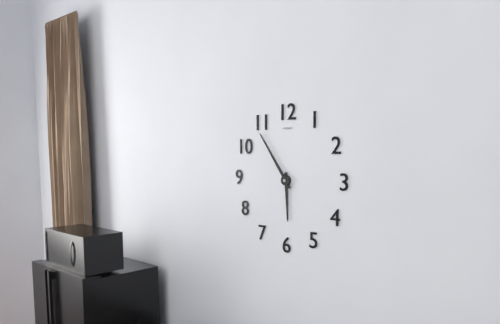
5,54
